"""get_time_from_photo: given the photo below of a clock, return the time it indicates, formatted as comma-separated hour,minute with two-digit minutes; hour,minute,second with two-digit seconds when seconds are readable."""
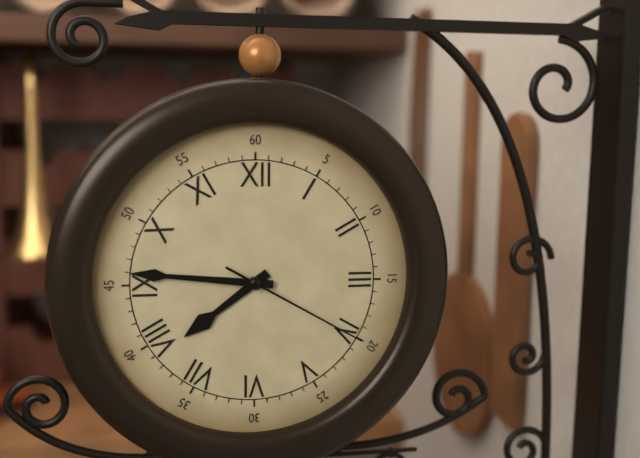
7,46,20
